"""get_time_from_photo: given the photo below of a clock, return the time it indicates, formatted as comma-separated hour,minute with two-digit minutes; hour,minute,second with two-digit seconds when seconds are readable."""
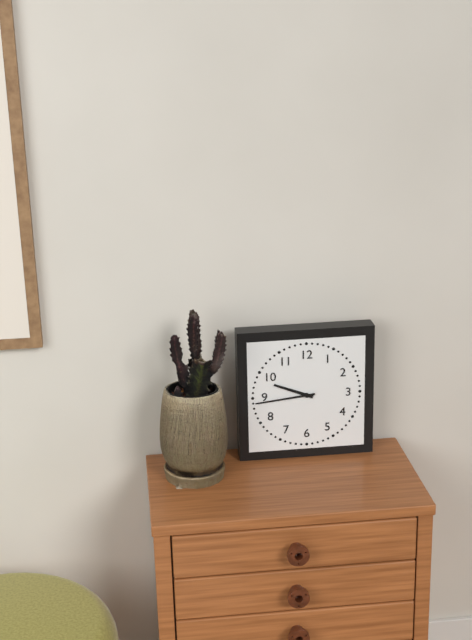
9,44
